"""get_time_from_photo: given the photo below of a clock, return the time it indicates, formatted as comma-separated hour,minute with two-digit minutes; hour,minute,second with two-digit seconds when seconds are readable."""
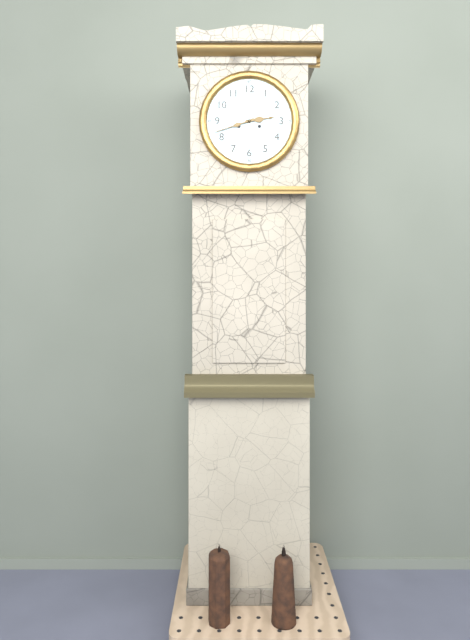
2,42
